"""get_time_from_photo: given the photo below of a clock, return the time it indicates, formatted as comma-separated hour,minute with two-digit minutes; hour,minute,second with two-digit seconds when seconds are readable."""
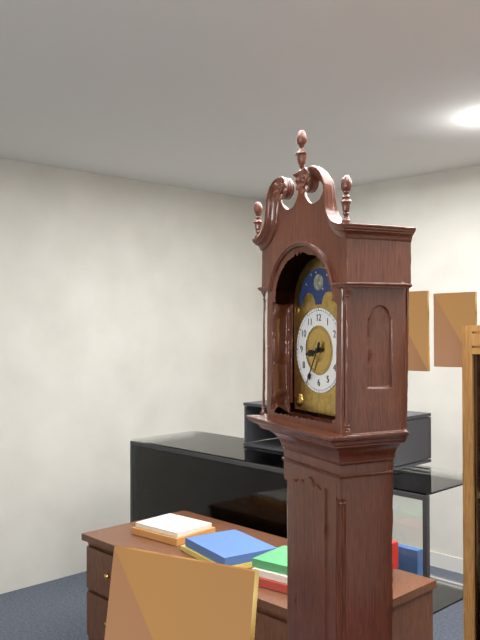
8,35
